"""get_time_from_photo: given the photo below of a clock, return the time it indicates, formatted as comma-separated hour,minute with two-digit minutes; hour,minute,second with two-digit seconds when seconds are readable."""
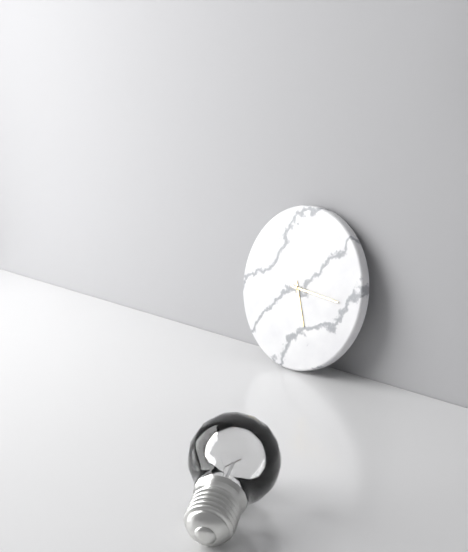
5,16
